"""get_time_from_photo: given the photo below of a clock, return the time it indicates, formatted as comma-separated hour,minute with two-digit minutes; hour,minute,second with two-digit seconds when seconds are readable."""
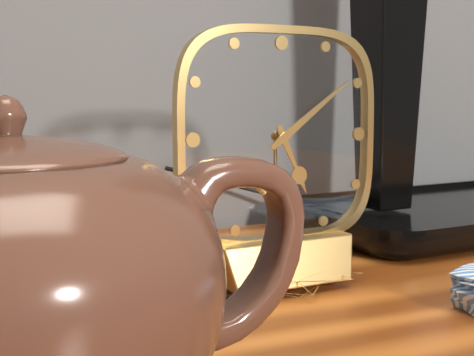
5,09
